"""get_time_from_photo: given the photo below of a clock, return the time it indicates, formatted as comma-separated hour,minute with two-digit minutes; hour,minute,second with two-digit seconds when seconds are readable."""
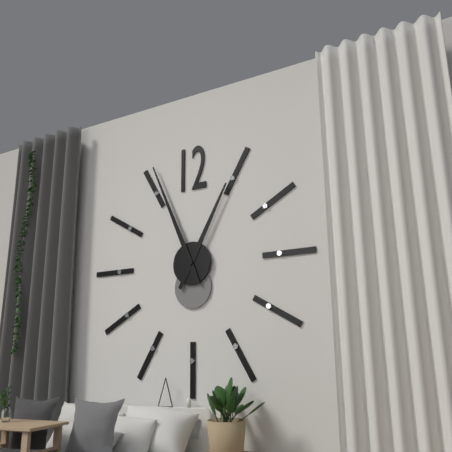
12,56
